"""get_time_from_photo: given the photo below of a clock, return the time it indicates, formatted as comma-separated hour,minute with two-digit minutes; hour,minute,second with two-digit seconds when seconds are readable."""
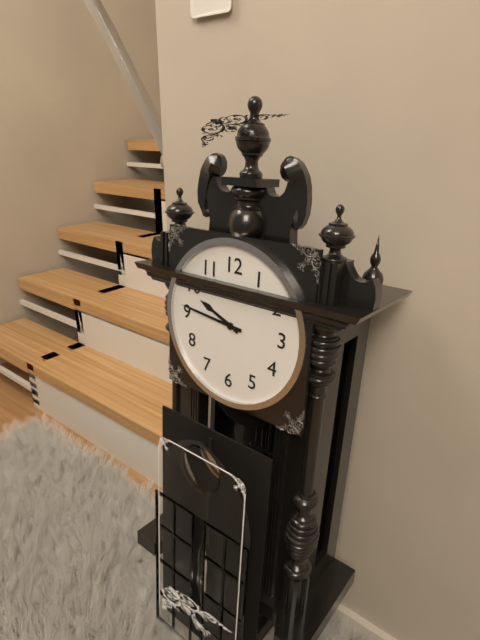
9,46
